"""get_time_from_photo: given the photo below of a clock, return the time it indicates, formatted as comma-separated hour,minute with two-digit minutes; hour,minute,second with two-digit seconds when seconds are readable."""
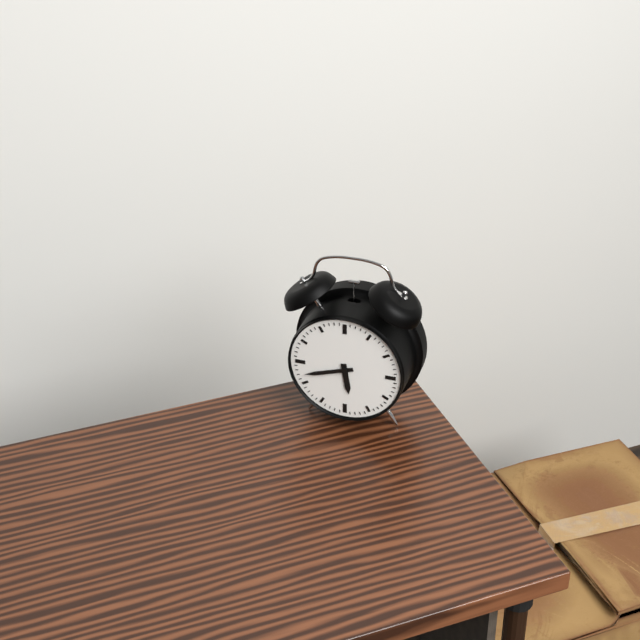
5,42
